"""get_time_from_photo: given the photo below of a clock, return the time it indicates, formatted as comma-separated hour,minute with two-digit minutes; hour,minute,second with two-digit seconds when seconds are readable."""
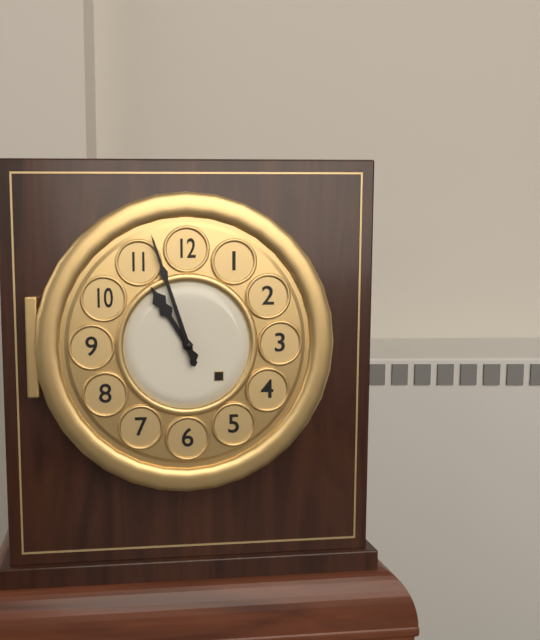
10,57
